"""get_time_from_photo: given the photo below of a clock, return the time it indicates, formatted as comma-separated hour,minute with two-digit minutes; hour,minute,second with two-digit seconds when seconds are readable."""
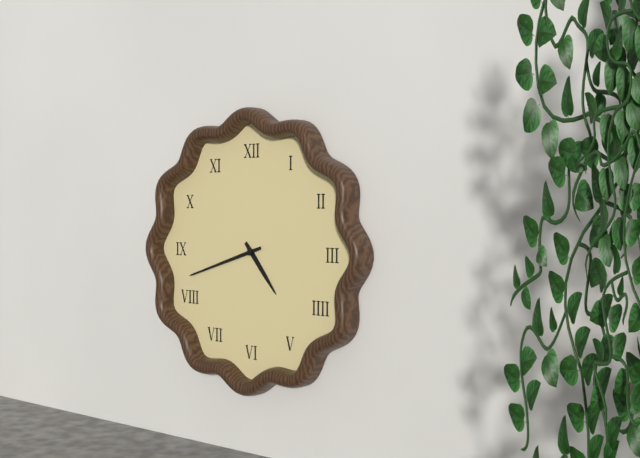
4,42
